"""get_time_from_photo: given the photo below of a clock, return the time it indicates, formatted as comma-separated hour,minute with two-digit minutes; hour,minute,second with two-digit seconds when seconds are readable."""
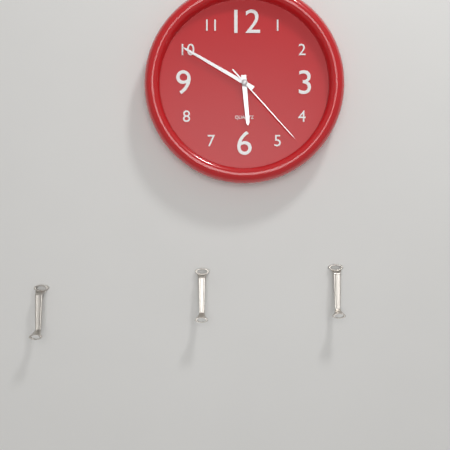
5,50,23
